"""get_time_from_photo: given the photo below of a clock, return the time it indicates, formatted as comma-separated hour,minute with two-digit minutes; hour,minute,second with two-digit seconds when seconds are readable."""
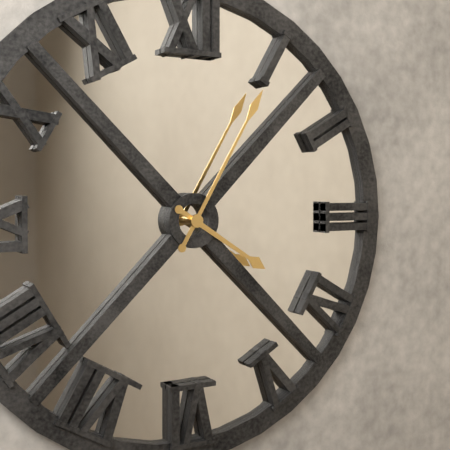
4,05
